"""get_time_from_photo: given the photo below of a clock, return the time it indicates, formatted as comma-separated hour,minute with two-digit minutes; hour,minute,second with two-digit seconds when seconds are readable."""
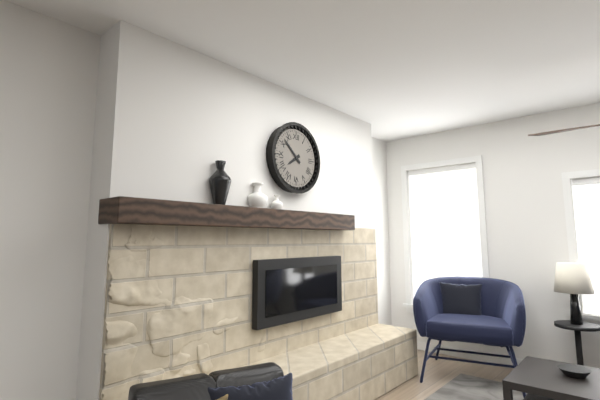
7,52
